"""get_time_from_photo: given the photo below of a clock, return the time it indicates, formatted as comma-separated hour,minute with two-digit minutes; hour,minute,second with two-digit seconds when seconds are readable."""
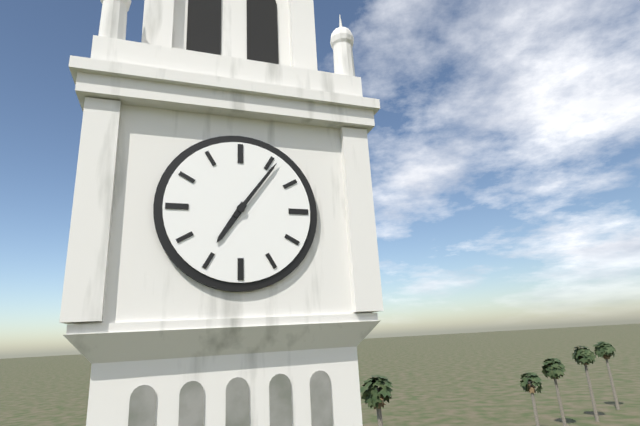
7,06
